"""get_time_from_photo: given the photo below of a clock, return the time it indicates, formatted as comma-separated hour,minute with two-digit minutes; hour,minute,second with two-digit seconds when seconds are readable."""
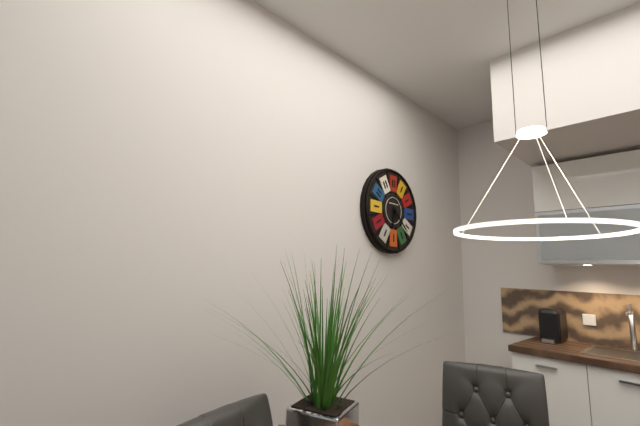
6,22
